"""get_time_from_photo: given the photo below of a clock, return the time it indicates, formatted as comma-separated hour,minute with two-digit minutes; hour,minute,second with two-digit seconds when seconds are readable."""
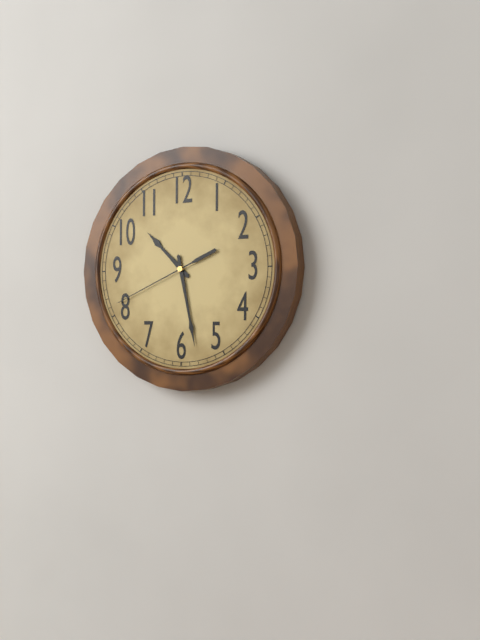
10,28,41
